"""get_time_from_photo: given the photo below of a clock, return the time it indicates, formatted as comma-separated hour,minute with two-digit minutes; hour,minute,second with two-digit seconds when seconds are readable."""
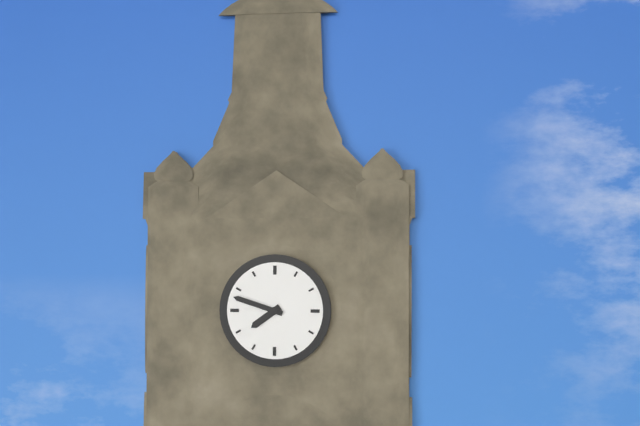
7,48
